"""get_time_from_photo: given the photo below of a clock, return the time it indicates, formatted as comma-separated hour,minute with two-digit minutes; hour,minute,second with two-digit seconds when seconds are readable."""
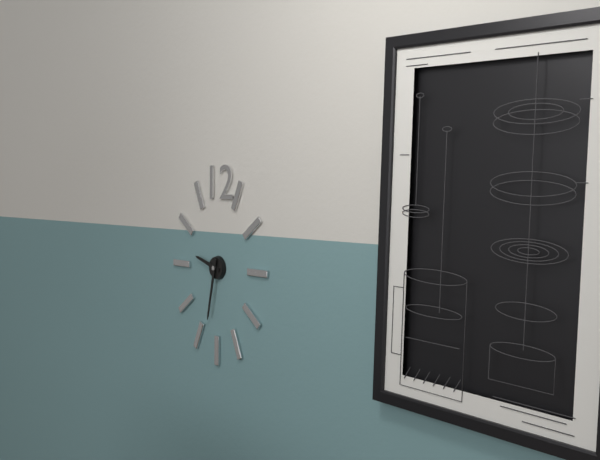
9,32
